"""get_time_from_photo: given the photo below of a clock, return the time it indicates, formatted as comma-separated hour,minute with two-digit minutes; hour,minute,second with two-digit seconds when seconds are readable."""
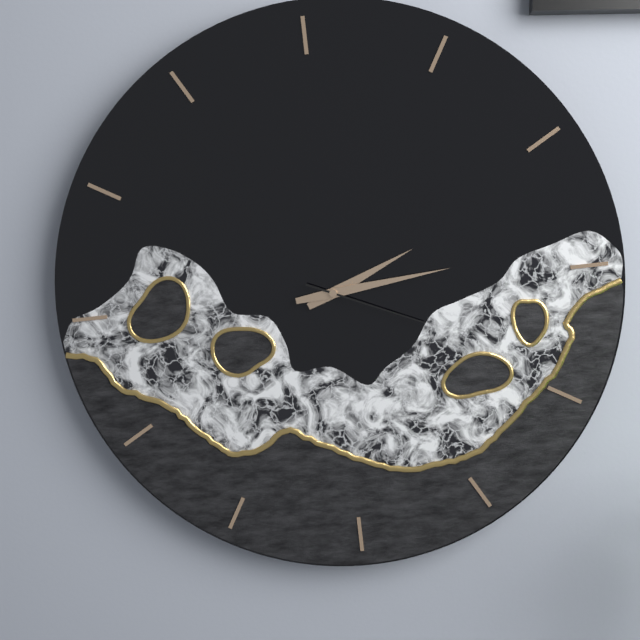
2,14,19
